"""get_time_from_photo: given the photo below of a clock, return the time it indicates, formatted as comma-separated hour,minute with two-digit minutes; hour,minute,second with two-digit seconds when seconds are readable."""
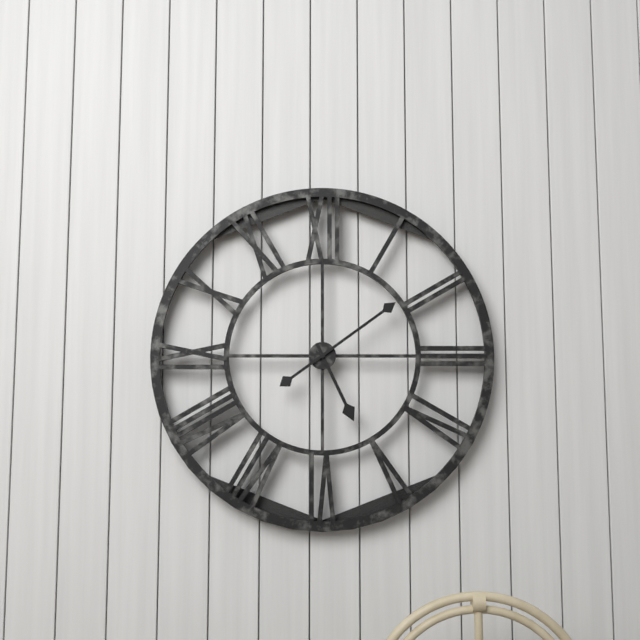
5,09
